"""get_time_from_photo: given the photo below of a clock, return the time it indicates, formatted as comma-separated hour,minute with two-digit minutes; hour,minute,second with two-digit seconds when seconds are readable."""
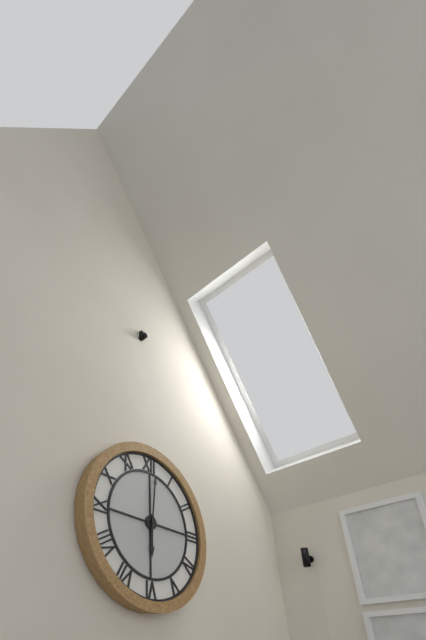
6,01
